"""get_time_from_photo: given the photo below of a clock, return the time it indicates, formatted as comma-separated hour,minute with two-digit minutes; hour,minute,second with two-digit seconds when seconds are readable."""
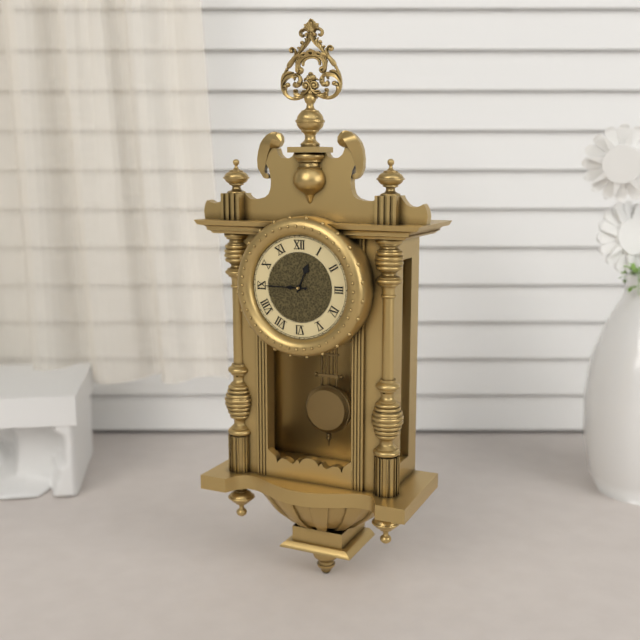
12,45
